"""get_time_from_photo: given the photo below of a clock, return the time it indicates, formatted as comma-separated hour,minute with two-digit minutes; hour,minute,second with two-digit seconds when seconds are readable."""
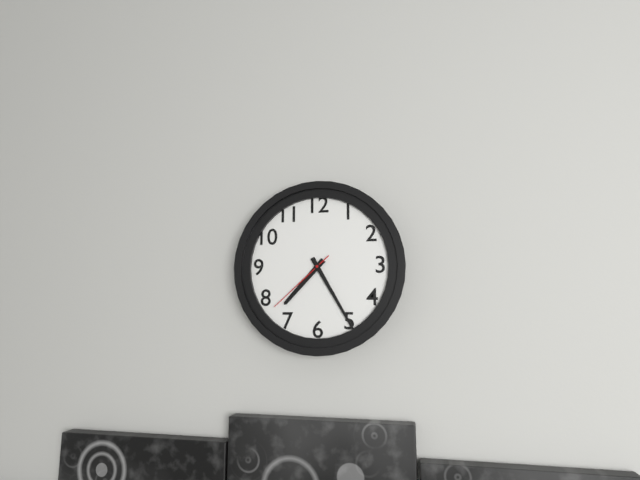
7,25,38
